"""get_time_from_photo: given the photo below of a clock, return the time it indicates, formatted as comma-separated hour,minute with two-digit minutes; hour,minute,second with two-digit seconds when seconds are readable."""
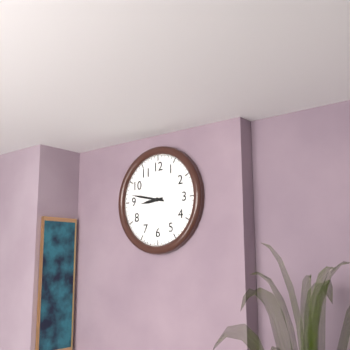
8,47
